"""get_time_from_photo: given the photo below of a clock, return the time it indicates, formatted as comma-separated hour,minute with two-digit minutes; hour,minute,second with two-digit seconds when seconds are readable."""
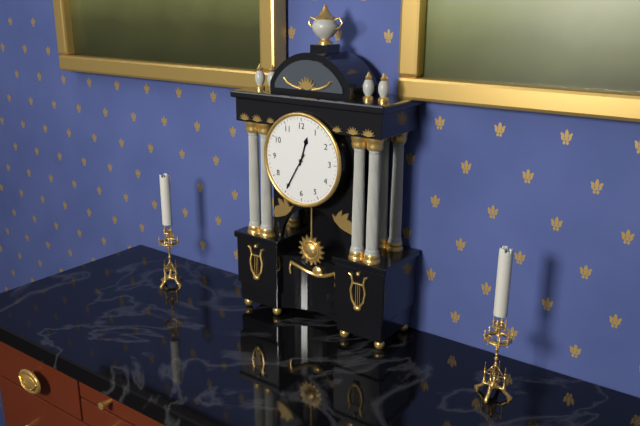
12,35
